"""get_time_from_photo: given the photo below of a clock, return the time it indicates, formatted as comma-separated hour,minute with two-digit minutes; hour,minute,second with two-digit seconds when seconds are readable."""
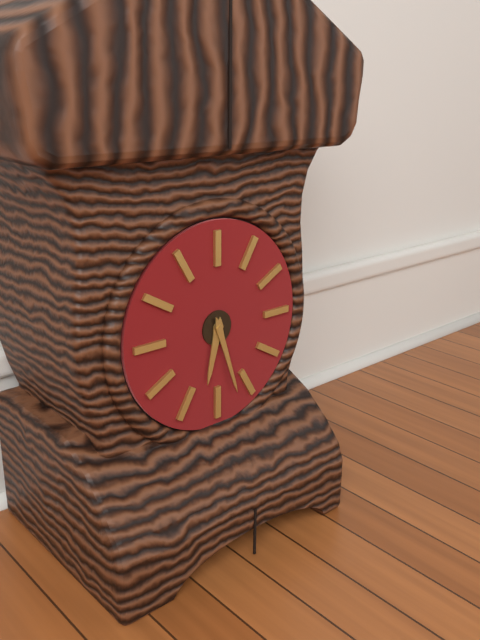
6,27
